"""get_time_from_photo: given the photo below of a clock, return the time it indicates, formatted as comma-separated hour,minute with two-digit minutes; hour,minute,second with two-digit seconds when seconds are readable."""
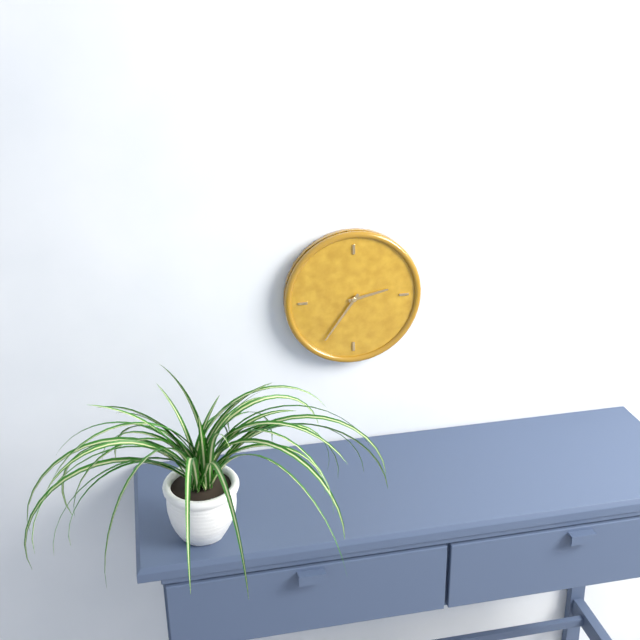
2,36
